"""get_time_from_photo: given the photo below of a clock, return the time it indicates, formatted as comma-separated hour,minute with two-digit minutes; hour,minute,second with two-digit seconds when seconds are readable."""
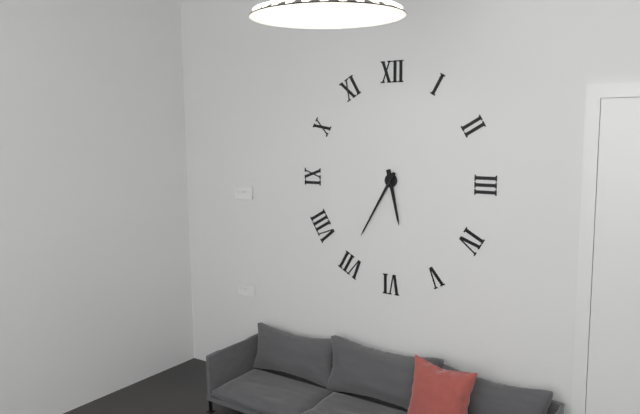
5,35
